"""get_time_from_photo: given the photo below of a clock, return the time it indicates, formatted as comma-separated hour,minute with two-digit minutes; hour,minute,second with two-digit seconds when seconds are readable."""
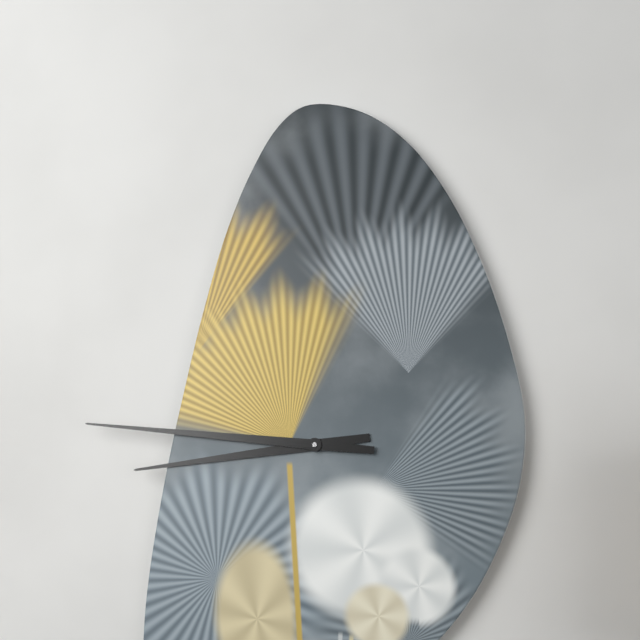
8,46
